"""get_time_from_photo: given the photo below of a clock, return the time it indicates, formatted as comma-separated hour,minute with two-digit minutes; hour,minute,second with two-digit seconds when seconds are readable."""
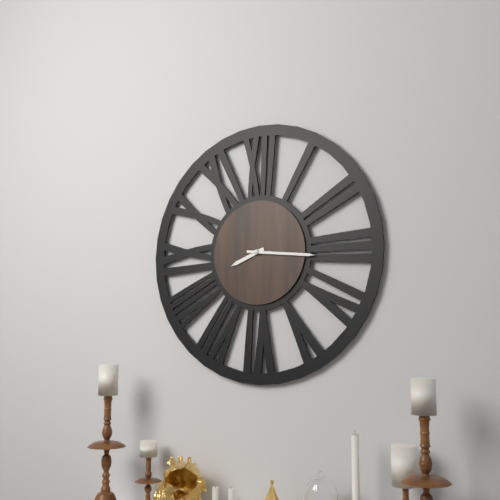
8,16
